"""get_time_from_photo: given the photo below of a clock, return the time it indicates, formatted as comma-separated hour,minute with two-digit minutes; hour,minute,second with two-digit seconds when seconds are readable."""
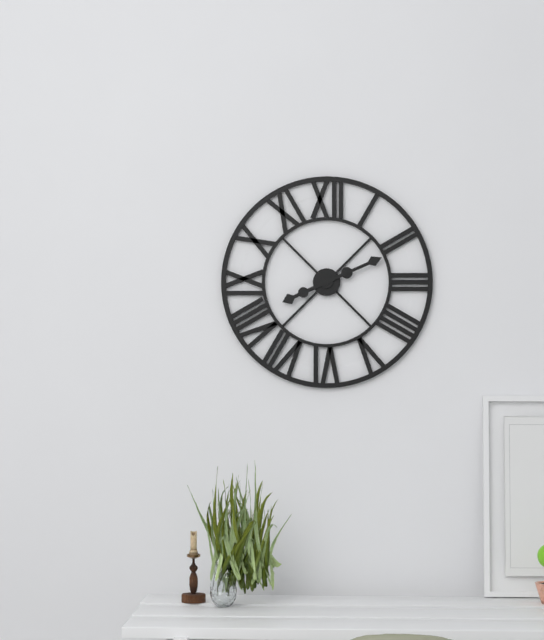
8,11
